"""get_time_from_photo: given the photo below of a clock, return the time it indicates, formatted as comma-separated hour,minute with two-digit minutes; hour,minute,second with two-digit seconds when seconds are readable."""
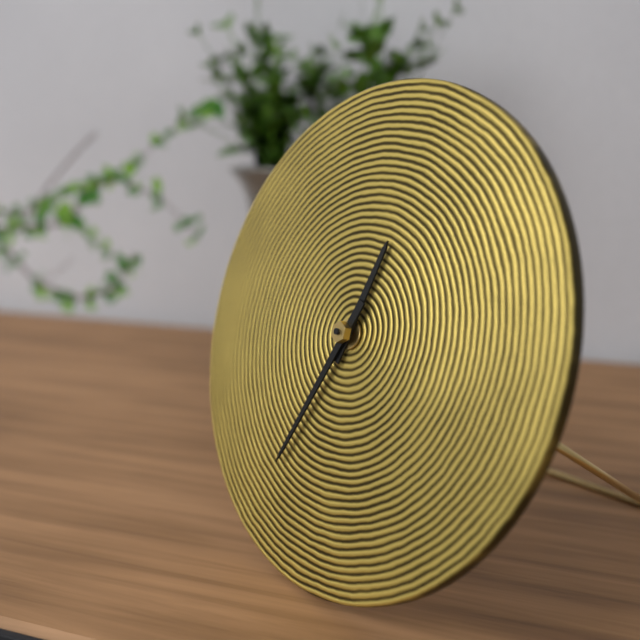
12,34
